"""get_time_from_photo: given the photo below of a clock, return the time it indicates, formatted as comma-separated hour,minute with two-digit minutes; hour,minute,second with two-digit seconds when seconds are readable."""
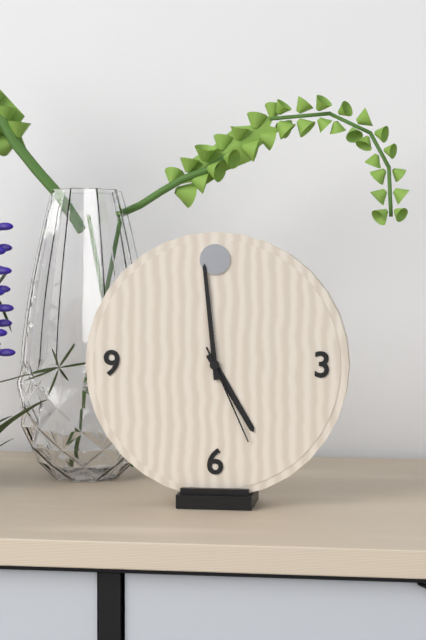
4,59,26
